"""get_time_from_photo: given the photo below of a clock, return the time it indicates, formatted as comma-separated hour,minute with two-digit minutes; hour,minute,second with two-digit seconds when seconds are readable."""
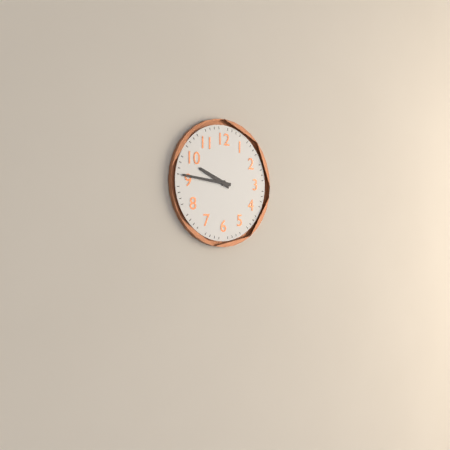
9,46
